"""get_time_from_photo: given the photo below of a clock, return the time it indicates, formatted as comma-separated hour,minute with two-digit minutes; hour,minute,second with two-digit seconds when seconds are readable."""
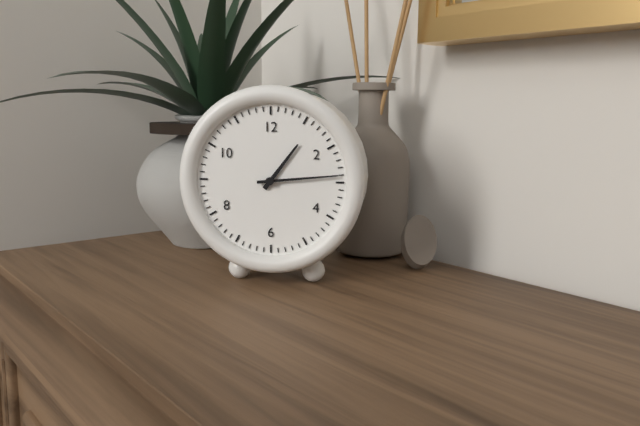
1,14
